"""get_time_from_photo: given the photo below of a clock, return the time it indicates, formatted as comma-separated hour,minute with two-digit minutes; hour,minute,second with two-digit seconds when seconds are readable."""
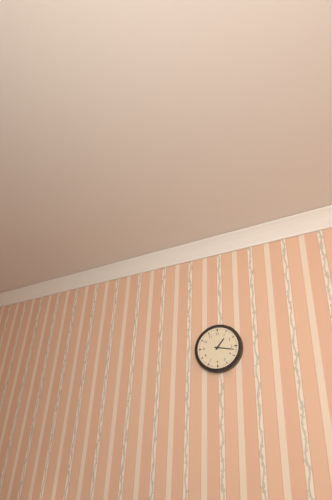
1,17
